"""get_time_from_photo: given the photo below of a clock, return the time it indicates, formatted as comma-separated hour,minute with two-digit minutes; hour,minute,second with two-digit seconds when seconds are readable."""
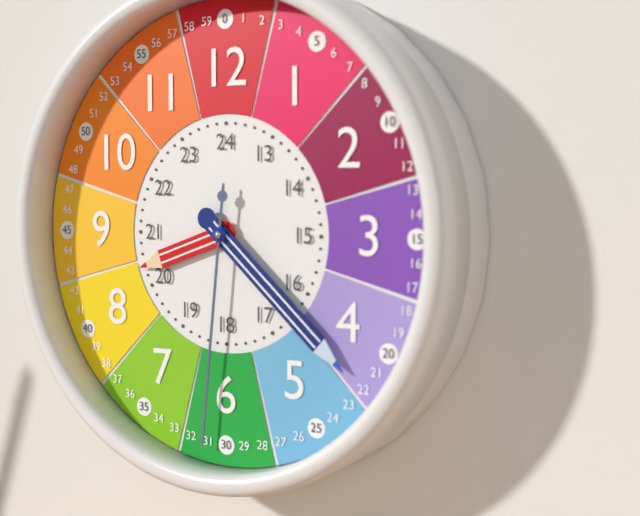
8,22,31
